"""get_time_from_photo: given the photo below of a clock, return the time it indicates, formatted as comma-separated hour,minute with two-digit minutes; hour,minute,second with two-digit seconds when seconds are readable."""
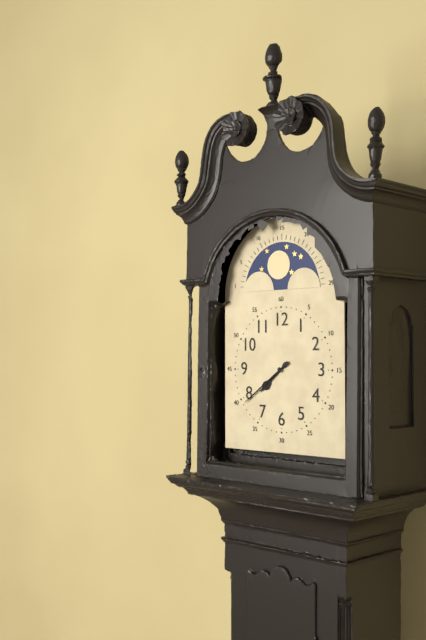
7,39
